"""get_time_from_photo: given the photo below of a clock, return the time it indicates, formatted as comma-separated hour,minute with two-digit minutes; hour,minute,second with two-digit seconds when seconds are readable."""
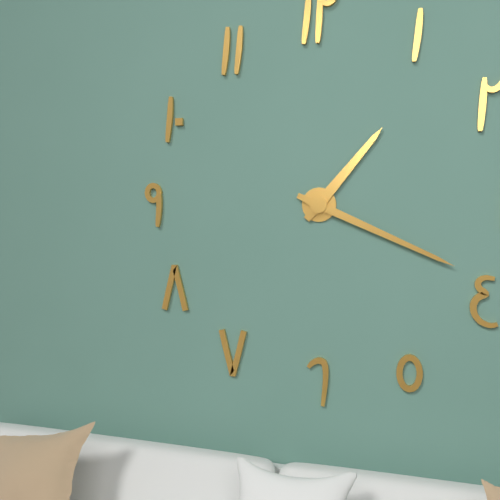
1,19
